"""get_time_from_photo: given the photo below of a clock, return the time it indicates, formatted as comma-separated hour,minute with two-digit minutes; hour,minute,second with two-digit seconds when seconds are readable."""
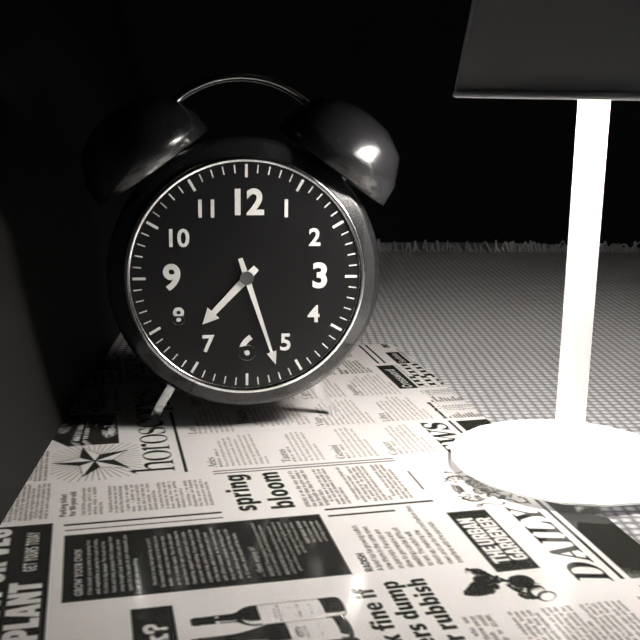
7,27
